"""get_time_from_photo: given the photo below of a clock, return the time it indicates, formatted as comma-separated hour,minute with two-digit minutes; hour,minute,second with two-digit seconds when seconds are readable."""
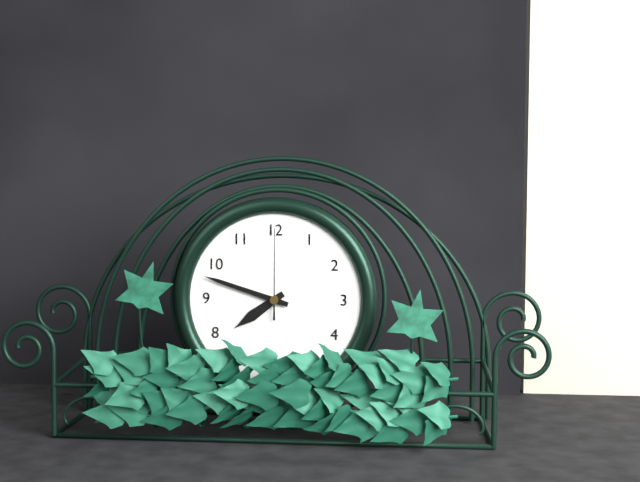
7,48,00
